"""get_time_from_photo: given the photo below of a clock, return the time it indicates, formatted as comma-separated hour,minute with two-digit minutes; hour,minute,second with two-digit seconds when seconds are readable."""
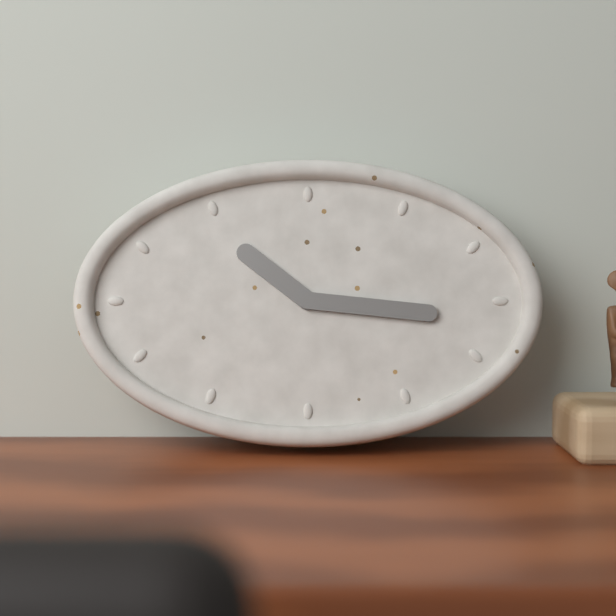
10,16
